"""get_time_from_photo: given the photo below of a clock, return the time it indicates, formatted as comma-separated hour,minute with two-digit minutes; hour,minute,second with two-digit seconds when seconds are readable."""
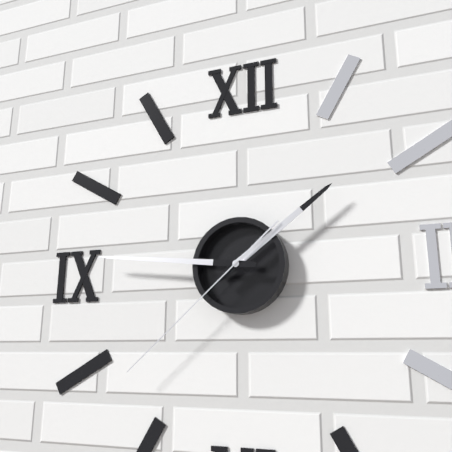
1,46,38
